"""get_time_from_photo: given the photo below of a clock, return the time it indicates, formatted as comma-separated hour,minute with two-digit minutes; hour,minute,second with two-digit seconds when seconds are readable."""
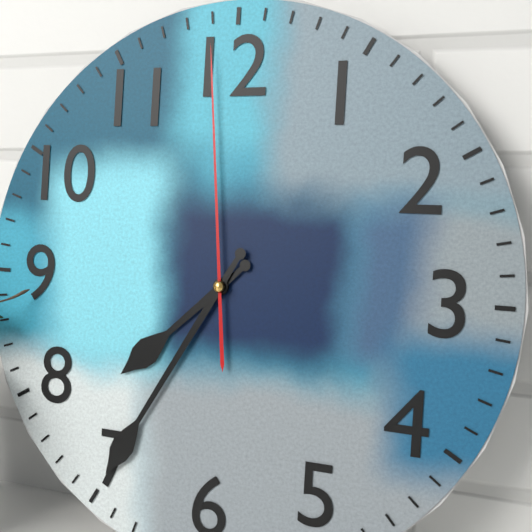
7,35,59
